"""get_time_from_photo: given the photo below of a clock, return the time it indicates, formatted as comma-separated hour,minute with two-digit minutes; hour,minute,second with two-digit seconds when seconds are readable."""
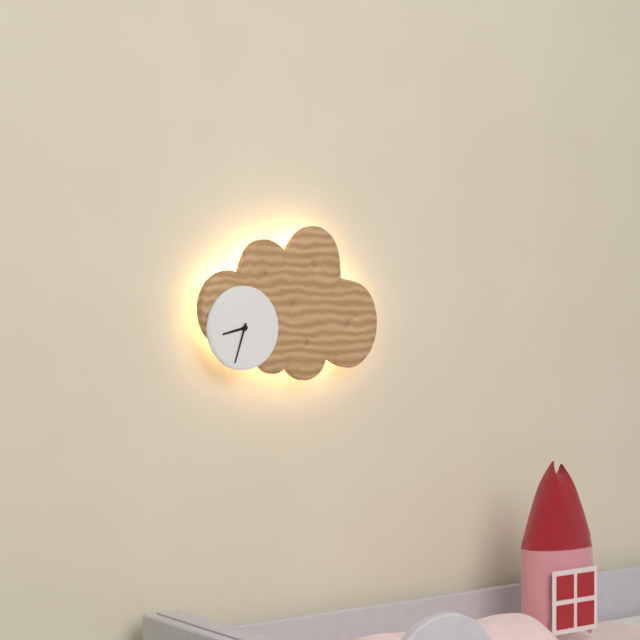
8,33
